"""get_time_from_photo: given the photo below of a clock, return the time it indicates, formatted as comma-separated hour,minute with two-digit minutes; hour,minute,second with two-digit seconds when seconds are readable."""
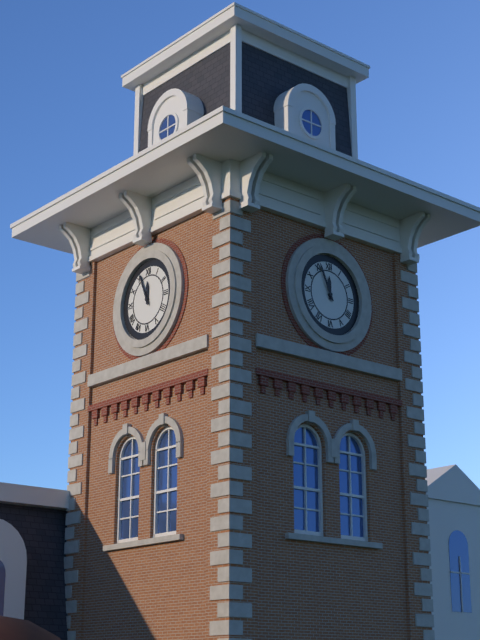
11,56
